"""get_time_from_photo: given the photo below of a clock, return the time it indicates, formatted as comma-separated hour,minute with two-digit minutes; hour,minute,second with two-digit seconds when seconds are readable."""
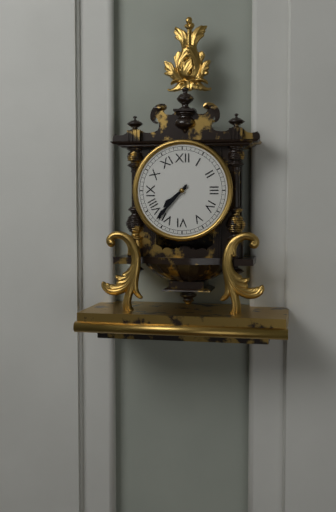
7,37
